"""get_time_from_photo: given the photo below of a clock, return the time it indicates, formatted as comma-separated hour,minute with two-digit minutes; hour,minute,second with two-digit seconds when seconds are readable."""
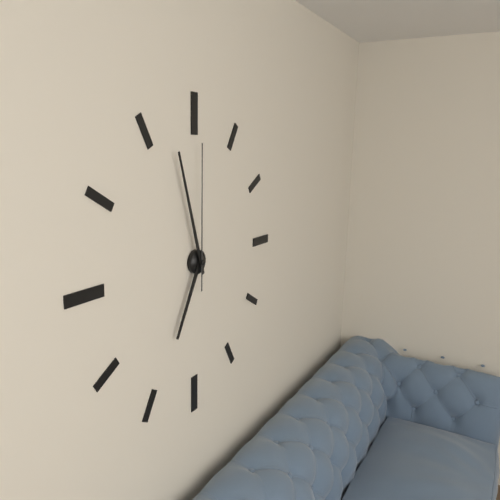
6,57,00
